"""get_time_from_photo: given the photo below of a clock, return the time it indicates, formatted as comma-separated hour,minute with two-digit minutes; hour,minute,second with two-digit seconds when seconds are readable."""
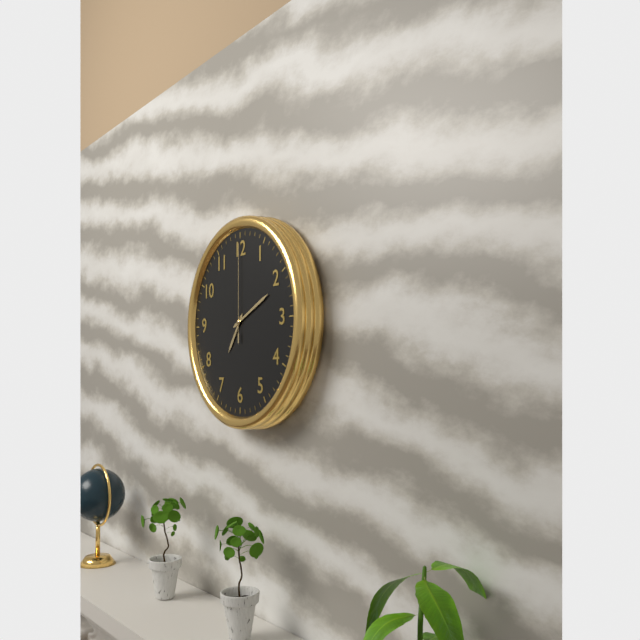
7,11,00
